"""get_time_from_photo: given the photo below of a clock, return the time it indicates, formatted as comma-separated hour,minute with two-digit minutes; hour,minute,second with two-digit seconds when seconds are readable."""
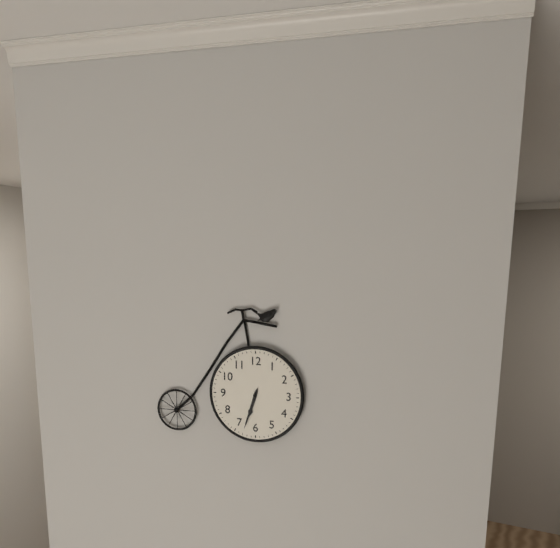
6,33
